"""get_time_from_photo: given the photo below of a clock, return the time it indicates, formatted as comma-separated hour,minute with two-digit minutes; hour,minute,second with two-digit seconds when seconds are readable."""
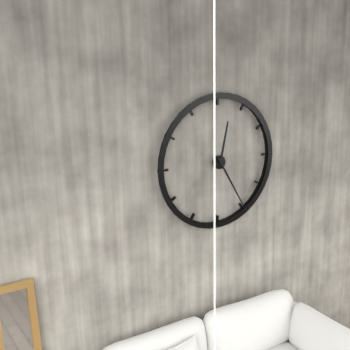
12,25
